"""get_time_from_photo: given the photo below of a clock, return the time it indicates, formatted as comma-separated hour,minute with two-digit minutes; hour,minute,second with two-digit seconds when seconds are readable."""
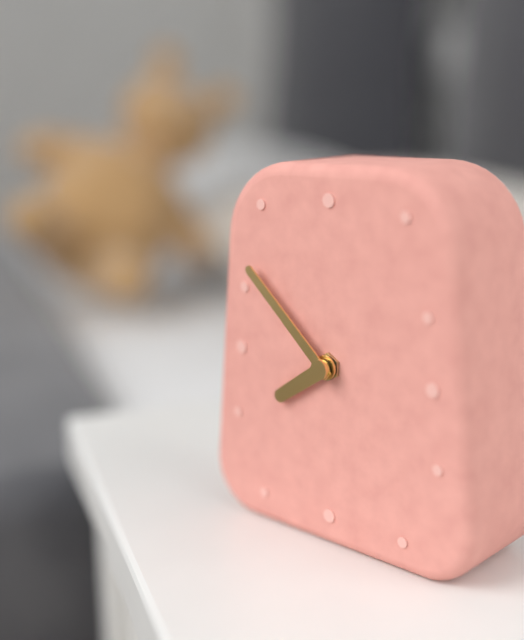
7,52
